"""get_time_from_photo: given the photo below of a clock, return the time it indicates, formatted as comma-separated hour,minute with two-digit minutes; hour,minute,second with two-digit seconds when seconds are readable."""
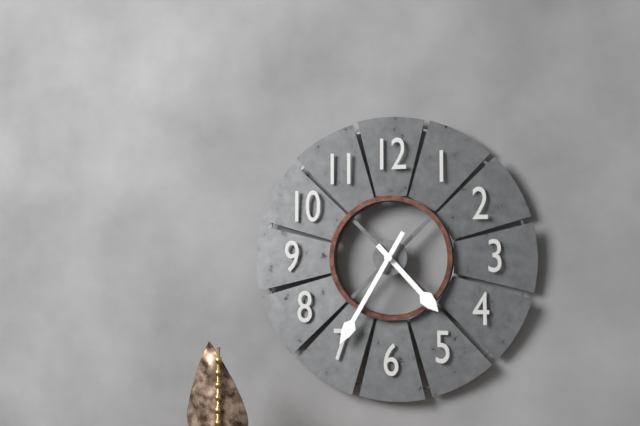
4,35
